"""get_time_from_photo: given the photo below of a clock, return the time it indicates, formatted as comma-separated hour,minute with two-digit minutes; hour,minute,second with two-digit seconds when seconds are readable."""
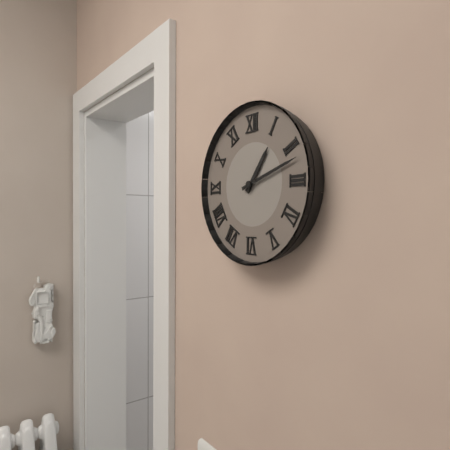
1,12
